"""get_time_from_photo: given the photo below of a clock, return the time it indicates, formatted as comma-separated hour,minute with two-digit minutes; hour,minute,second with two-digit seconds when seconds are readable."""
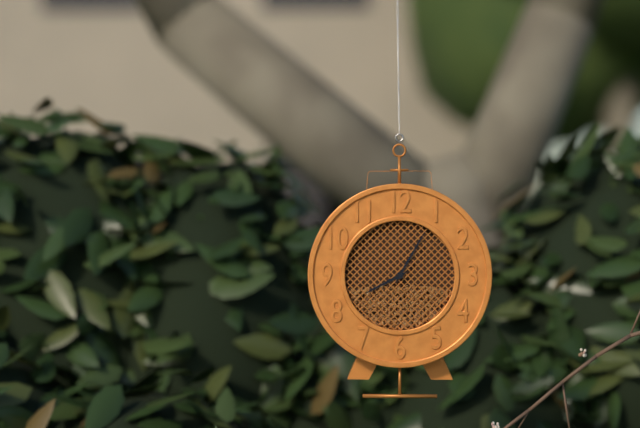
8,05
